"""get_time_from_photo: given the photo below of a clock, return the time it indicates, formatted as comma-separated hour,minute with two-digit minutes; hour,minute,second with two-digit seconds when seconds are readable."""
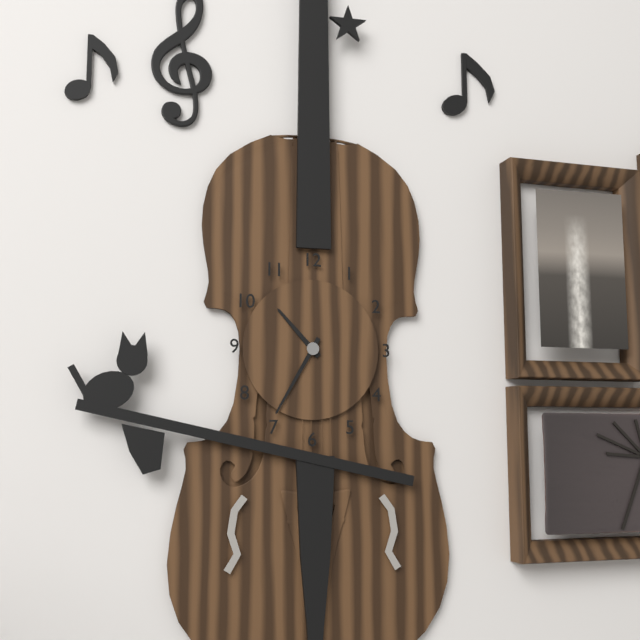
10,35
